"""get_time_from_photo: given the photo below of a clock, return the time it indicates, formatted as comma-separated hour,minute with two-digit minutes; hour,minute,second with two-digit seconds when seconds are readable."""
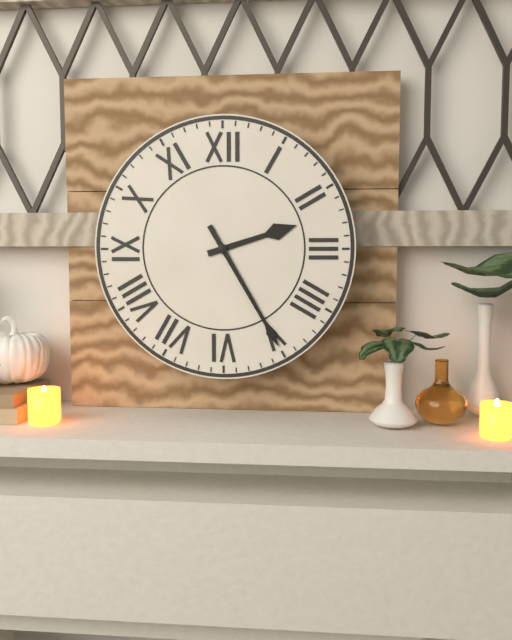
2,25
